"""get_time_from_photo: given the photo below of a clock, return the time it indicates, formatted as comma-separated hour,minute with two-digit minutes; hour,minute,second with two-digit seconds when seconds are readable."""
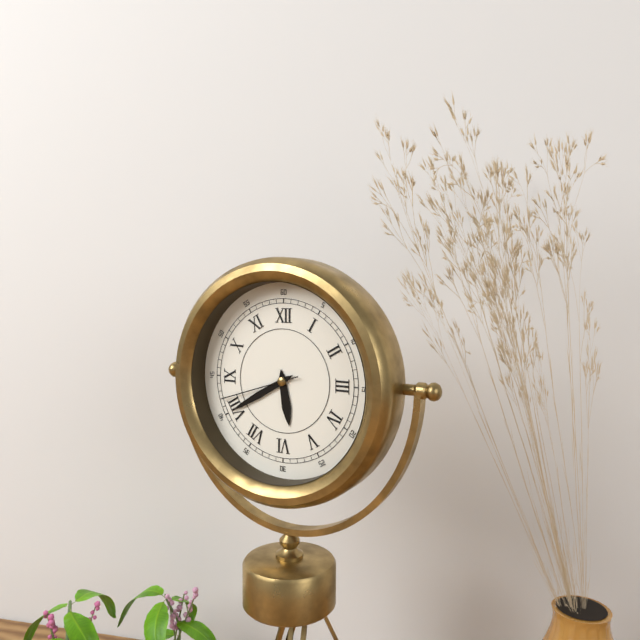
5,40,42
